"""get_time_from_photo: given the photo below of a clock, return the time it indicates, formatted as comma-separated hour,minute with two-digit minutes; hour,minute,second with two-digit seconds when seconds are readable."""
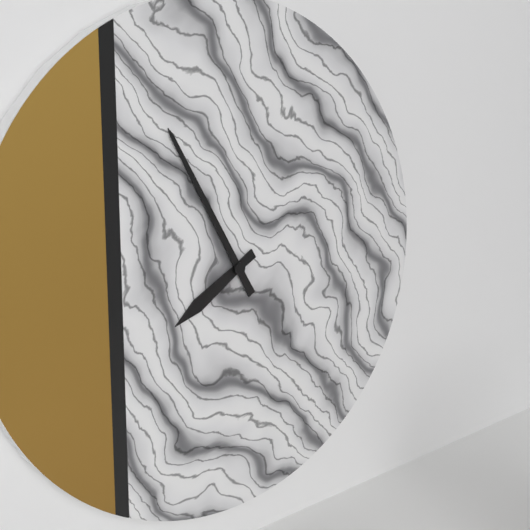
7,55
